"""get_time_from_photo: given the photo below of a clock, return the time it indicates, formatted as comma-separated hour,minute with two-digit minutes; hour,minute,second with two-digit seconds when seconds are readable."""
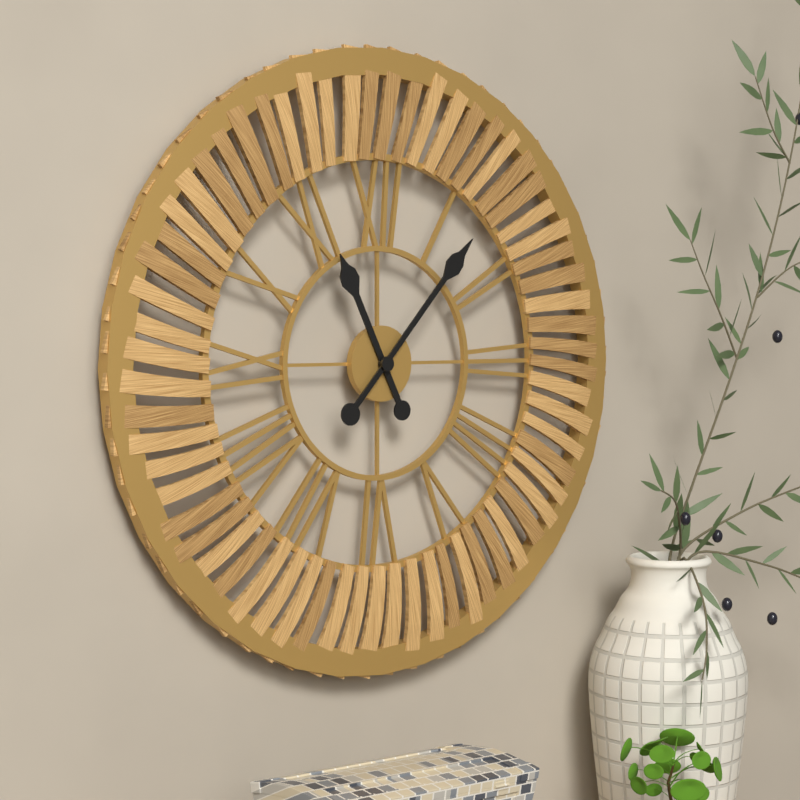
11,07
